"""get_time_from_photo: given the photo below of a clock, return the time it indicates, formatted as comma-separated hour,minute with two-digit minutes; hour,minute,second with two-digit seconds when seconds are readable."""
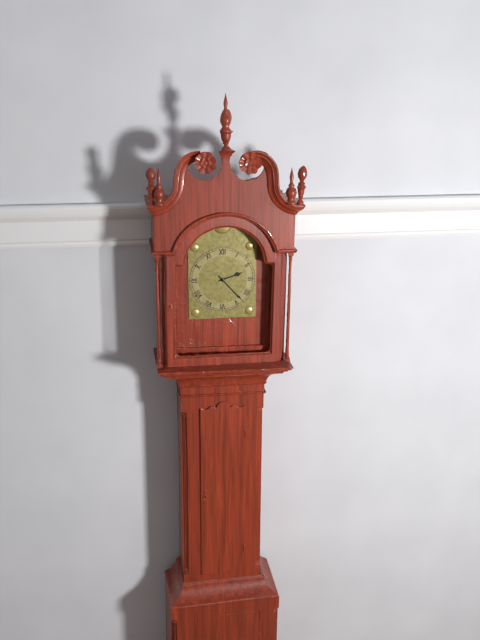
2,23
